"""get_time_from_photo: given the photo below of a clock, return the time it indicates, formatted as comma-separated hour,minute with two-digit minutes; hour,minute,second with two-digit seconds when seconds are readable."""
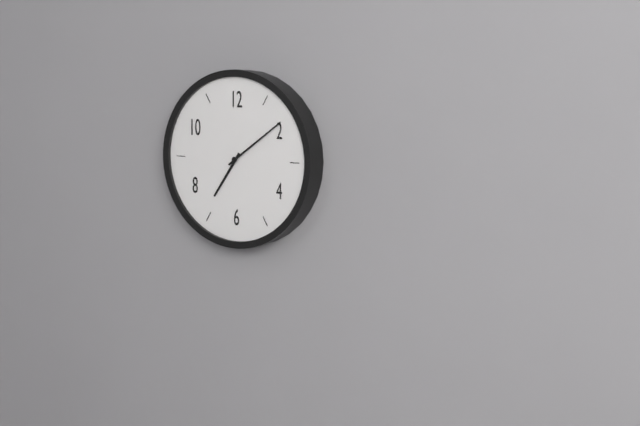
7,09
